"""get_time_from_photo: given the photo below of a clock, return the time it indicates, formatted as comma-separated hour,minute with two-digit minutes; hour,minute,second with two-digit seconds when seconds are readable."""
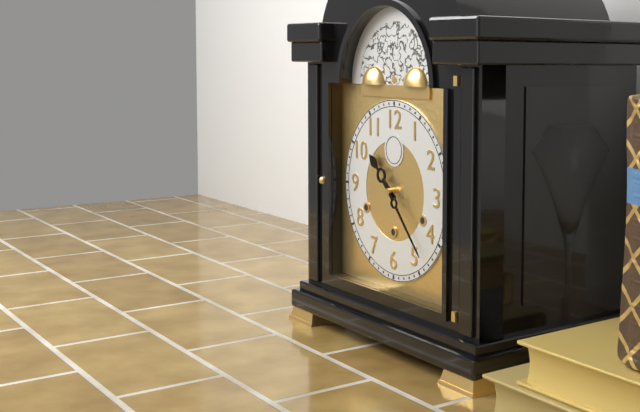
10,23
